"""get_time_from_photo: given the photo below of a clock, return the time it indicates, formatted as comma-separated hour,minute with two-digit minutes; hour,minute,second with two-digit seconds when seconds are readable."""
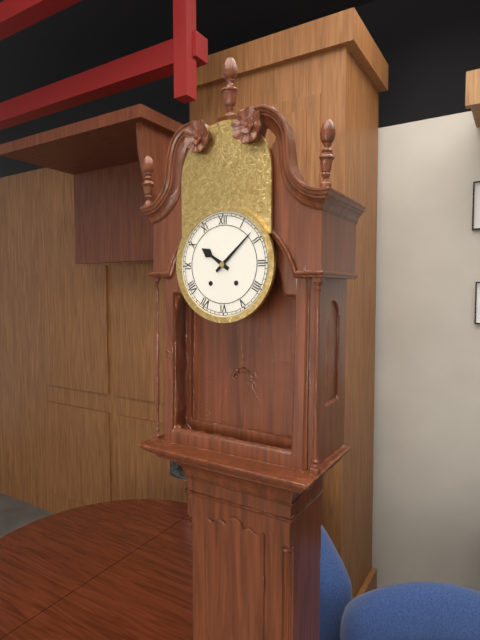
10,08
